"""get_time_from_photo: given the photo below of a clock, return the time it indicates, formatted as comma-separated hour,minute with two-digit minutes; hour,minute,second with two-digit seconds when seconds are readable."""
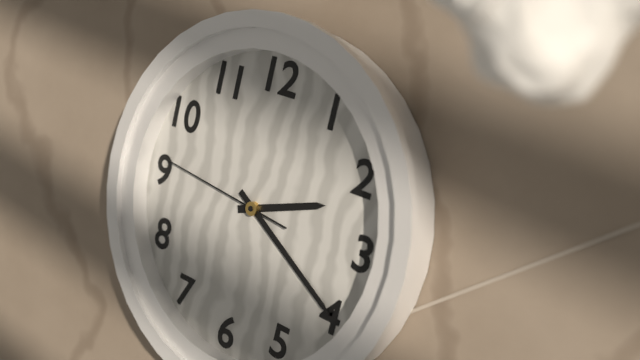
2,20,46
